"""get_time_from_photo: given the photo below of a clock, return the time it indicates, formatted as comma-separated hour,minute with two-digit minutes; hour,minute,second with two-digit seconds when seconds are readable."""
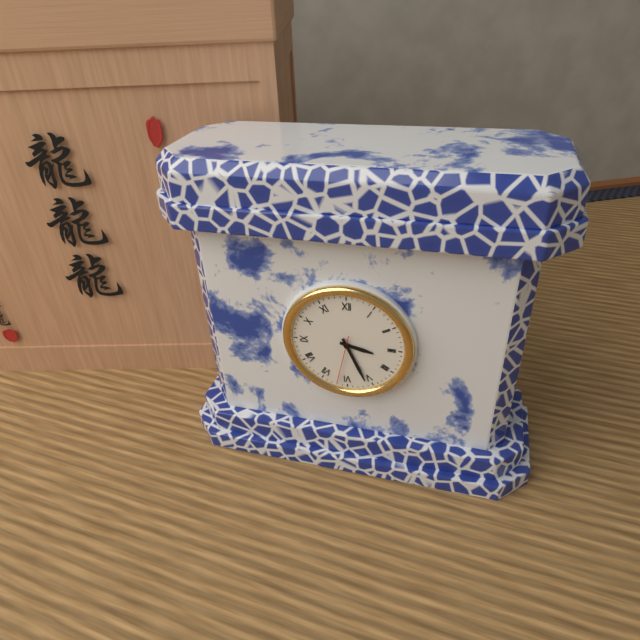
3,26,32
